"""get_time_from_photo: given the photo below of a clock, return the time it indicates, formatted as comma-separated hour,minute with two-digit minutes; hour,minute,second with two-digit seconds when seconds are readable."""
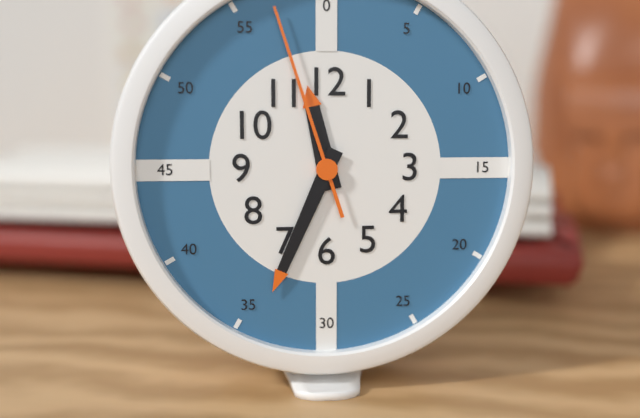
11,34,57
